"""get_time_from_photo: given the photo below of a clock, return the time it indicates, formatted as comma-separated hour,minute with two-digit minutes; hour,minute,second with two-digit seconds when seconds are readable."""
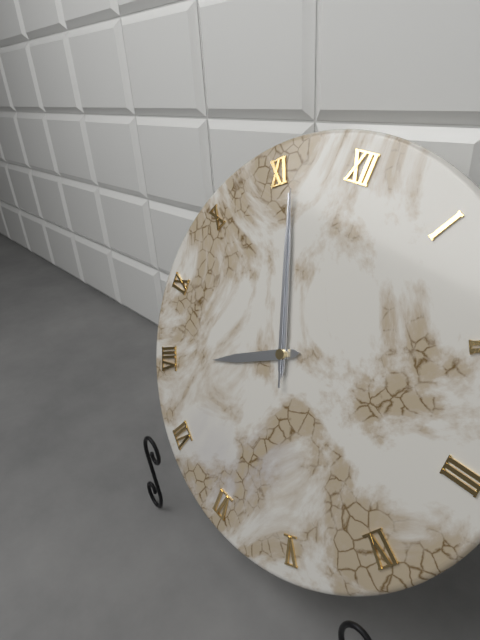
7,56,56
